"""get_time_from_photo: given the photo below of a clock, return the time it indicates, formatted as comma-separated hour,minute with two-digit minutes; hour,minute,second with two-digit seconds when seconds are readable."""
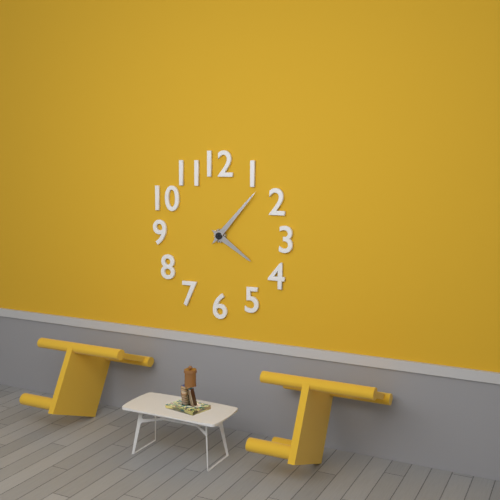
4,07
